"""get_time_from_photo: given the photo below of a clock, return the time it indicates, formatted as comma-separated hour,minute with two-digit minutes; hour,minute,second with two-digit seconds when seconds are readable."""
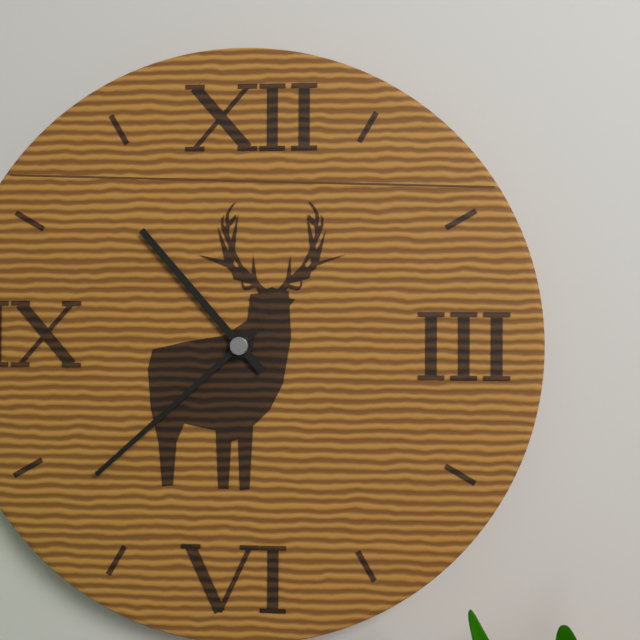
10,38
